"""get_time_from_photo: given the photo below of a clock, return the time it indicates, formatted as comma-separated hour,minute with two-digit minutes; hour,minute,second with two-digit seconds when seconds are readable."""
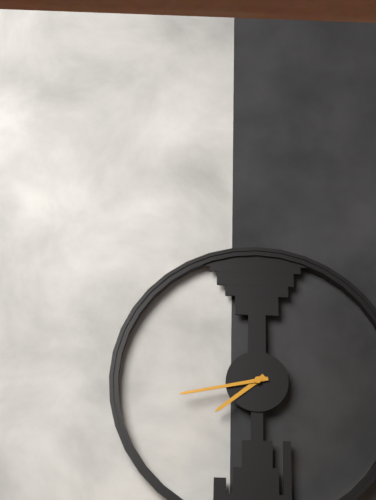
7,43
